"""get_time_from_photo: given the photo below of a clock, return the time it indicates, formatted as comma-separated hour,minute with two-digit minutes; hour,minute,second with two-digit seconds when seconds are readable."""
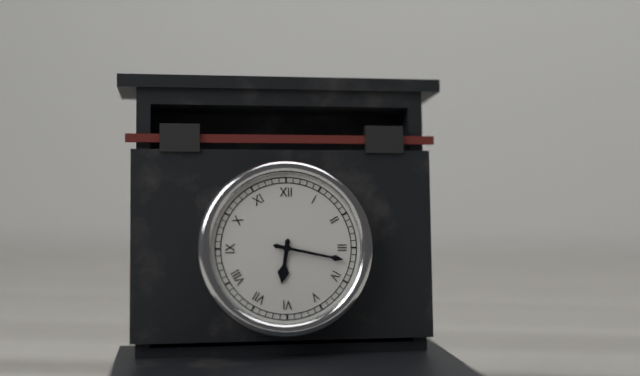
6,17
